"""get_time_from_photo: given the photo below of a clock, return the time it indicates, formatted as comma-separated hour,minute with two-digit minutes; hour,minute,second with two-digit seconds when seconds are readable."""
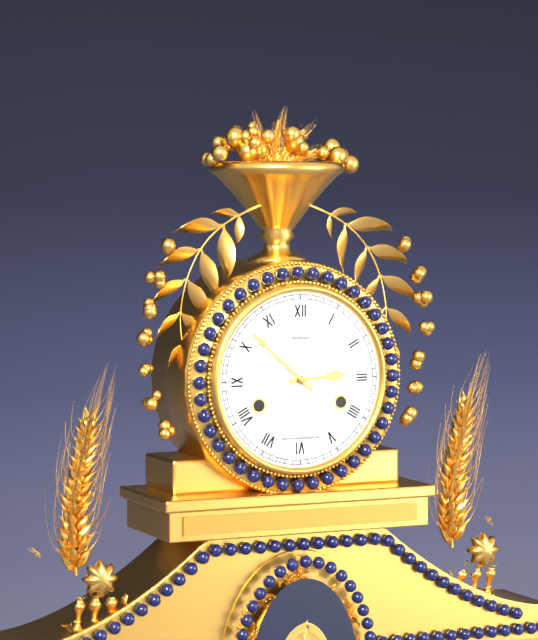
2,52
